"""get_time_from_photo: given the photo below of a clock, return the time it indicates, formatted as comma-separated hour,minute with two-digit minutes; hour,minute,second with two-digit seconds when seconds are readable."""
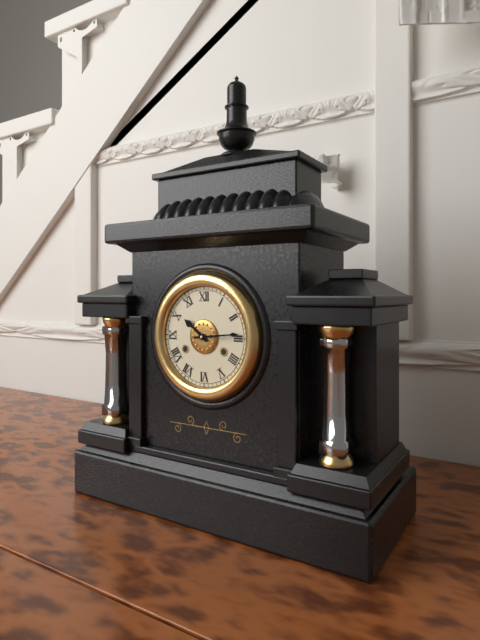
10,14
